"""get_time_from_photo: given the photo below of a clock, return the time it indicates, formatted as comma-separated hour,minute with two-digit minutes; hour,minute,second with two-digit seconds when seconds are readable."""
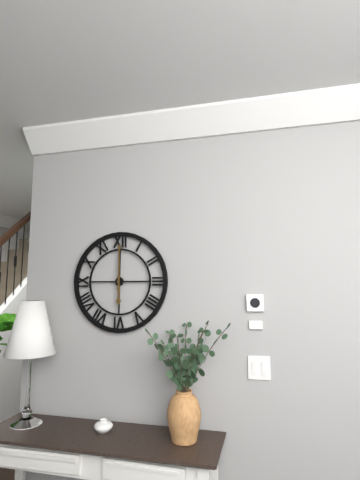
6,00
